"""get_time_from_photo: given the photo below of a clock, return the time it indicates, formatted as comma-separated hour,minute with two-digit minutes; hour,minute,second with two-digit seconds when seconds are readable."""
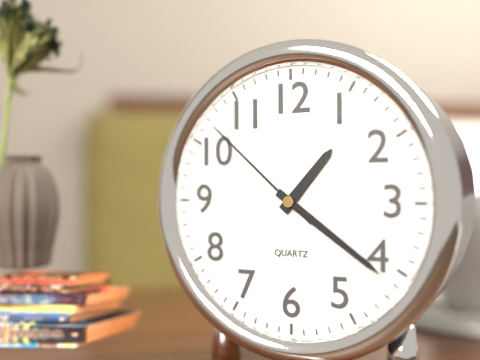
1,21,52
